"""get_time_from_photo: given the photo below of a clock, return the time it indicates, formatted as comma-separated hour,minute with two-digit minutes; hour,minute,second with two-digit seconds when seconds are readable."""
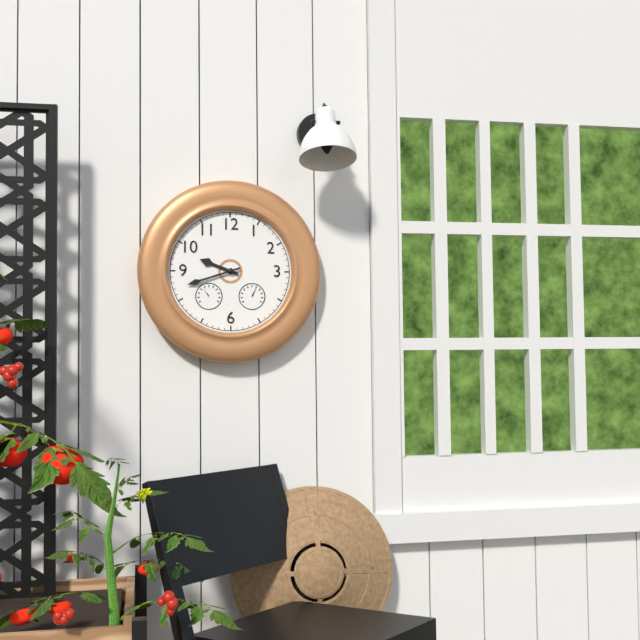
9,42
